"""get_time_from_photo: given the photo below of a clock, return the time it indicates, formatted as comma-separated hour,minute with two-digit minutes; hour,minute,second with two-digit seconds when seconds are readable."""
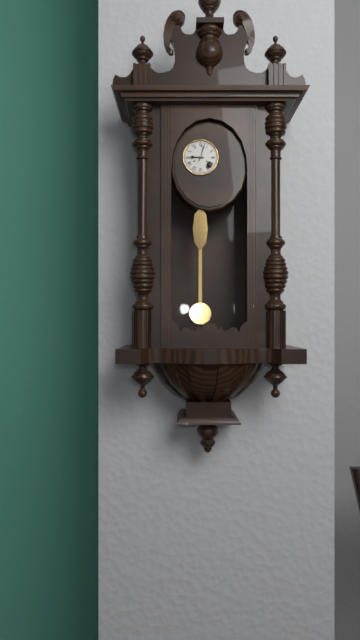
9,03
